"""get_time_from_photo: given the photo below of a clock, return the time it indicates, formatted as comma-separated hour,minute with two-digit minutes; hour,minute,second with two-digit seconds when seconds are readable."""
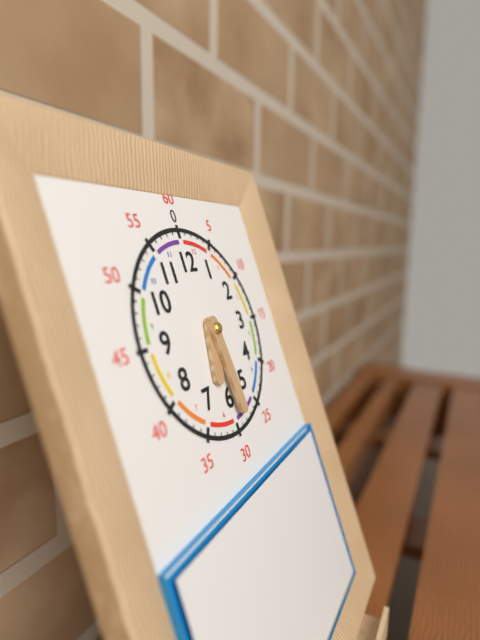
6,29
